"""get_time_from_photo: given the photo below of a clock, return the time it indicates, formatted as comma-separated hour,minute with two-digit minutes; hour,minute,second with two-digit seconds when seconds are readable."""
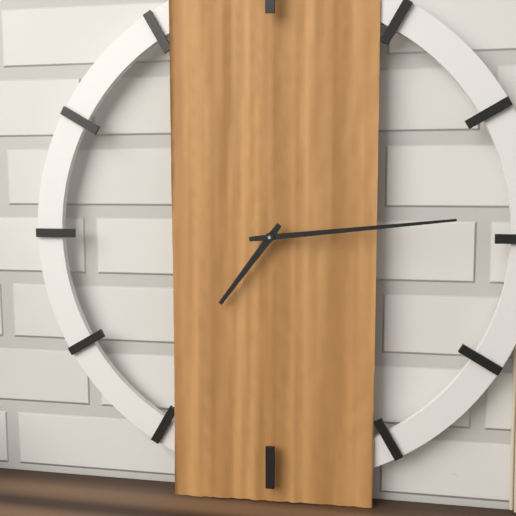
7,14
